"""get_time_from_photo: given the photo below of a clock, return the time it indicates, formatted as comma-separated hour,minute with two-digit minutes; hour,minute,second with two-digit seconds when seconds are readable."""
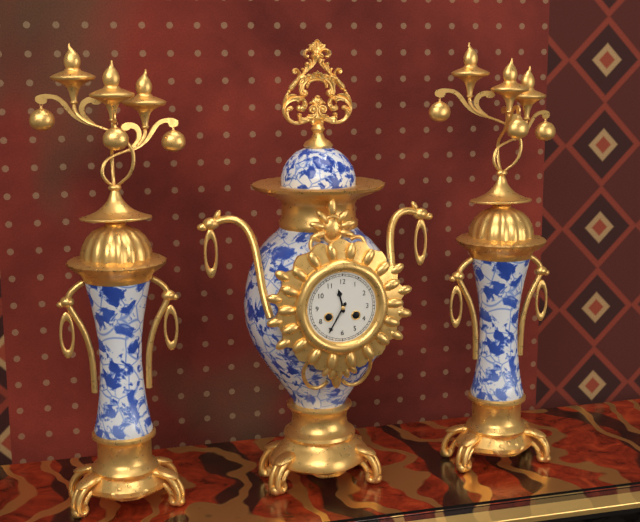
11,35
